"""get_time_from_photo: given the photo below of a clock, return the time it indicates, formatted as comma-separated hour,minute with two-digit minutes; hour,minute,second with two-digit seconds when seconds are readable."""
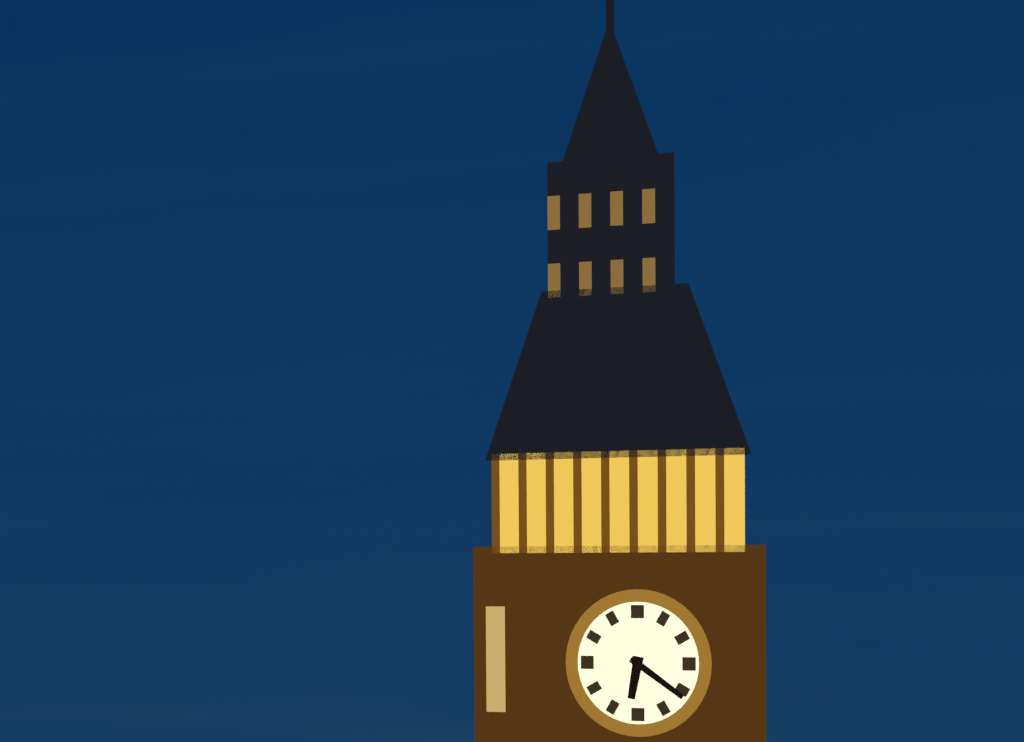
6,21
